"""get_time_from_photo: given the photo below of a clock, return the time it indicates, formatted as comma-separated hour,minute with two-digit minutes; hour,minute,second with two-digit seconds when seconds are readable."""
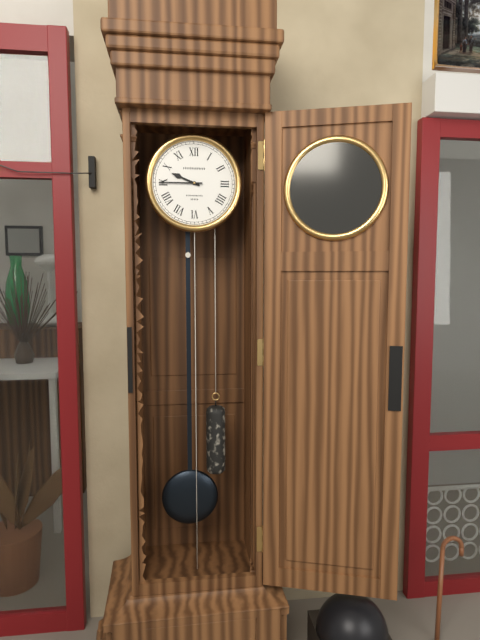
9,45
